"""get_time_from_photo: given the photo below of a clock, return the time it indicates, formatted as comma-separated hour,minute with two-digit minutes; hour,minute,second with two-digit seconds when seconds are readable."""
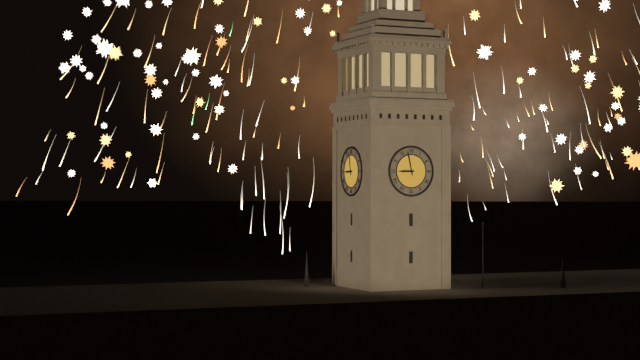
8,58
